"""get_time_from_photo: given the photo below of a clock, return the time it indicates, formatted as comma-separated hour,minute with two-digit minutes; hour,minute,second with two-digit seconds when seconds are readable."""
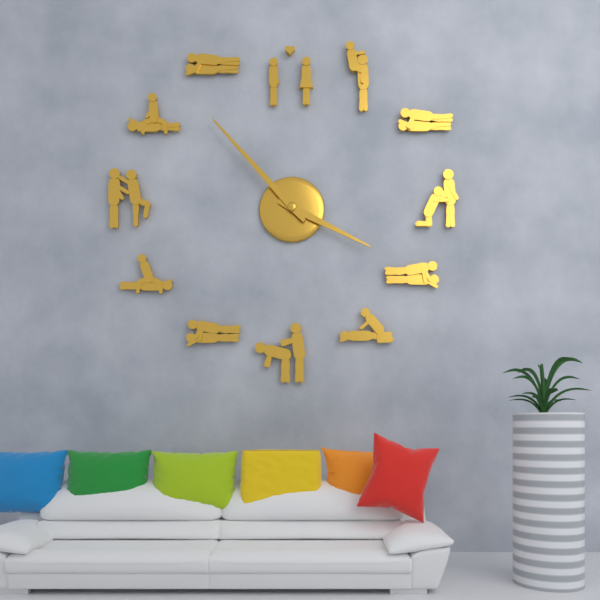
3,53
